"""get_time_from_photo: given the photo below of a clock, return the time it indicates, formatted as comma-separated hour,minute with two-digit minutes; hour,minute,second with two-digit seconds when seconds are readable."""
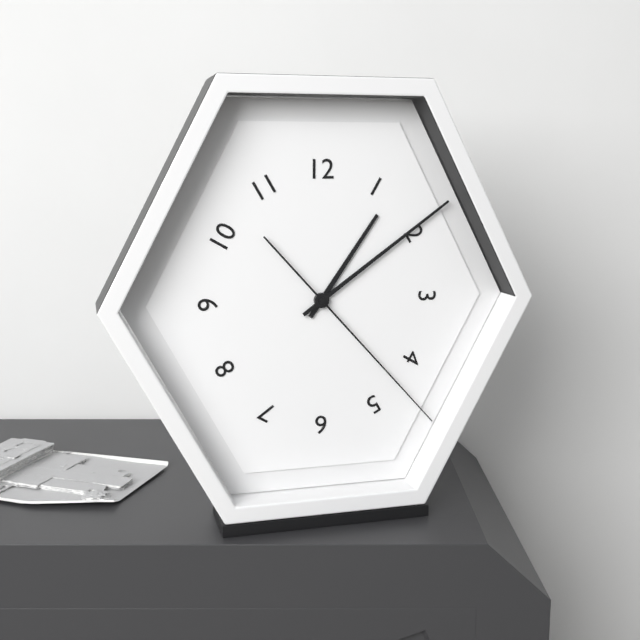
1,09,23
